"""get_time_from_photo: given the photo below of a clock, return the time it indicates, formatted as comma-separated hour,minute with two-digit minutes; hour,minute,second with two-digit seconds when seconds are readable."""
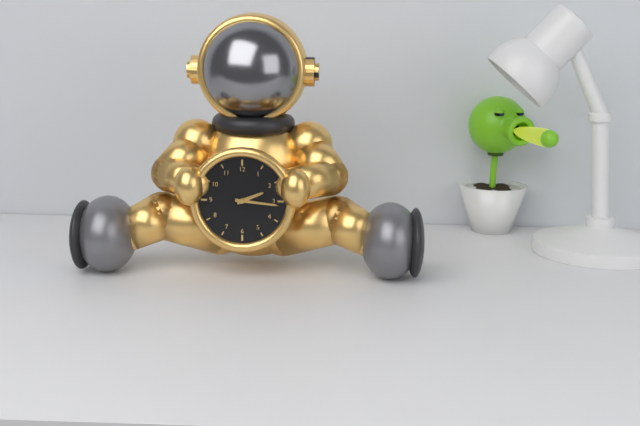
2,16
